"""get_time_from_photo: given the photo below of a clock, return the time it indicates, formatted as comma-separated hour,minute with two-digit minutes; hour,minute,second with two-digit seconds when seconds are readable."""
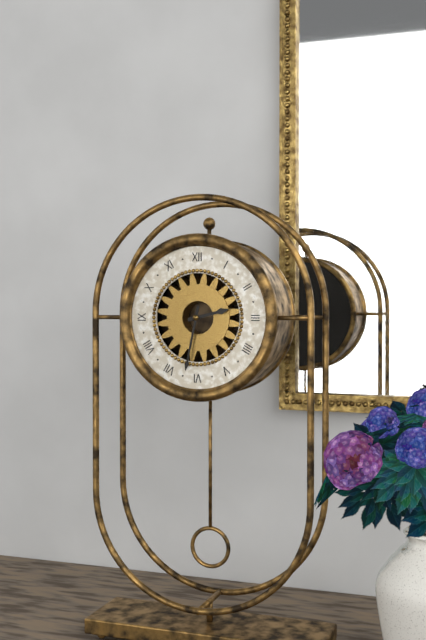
2,32
